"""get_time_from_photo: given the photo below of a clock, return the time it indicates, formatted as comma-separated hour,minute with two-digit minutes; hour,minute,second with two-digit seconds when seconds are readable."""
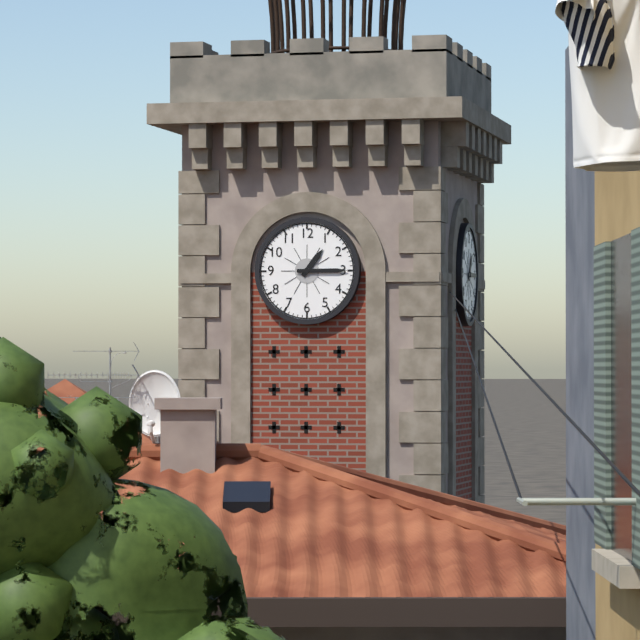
1,15
